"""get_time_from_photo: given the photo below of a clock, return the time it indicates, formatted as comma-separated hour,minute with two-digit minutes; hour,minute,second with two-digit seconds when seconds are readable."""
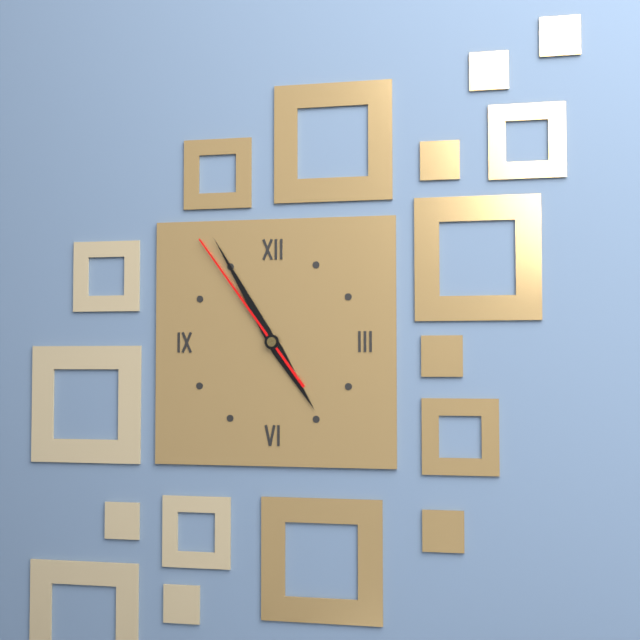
4,55,54
